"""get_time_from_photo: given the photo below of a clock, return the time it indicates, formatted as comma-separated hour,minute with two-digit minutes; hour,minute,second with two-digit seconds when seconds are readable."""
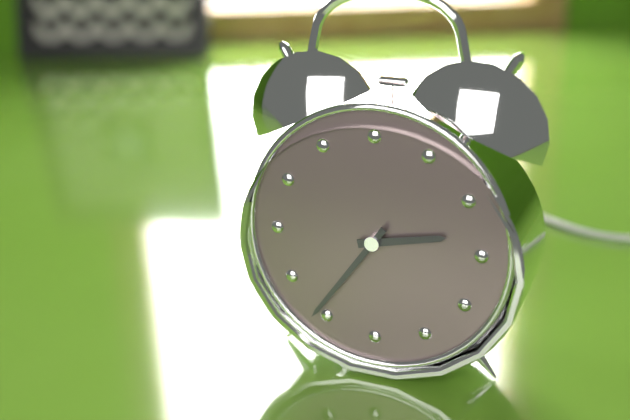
2,36
